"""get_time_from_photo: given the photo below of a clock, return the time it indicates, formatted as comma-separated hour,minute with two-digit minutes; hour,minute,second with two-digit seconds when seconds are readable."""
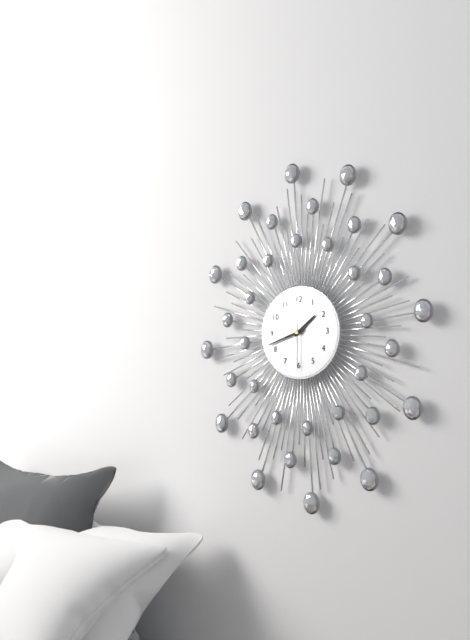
1,42
